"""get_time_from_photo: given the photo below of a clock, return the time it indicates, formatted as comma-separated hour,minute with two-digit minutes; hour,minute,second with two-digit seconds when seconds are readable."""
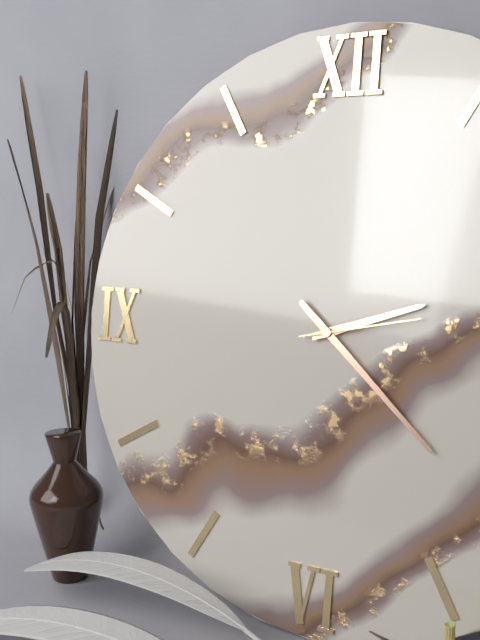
2,22,13
